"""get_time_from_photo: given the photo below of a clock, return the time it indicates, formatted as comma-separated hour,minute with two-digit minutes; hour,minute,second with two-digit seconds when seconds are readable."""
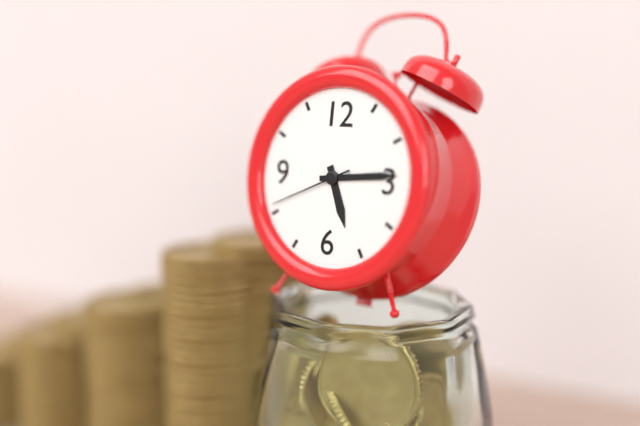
5,14,41
